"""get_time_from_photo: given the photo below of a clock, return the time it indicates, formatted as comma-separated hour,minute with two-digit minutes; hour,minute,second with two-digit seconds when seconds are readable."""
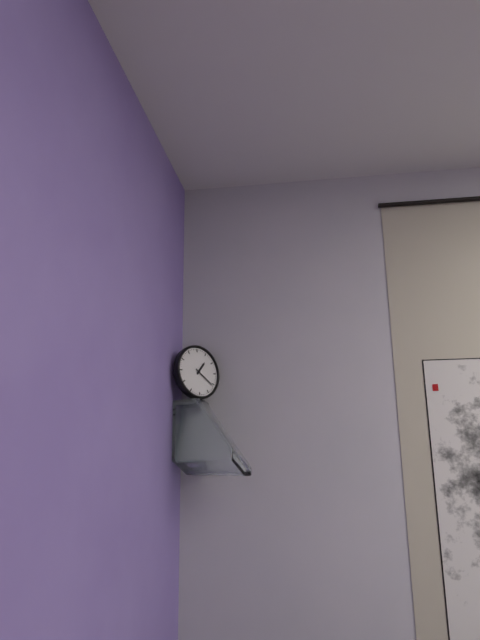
1,21
